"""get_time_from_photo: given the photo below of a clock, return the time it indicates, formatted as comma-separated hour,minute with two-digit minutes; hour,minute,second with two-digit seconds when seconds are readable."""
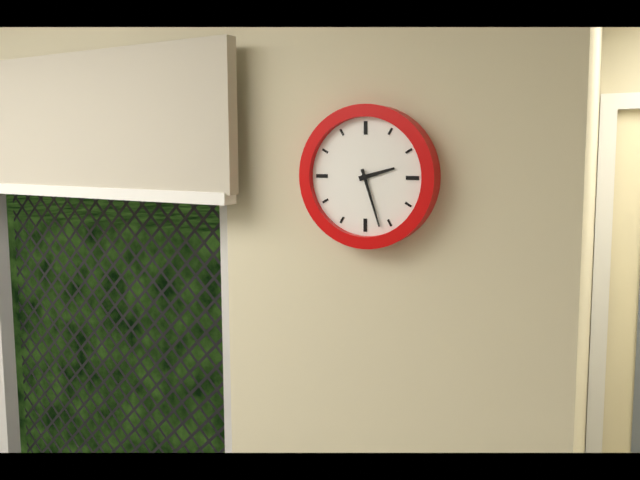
2,27
